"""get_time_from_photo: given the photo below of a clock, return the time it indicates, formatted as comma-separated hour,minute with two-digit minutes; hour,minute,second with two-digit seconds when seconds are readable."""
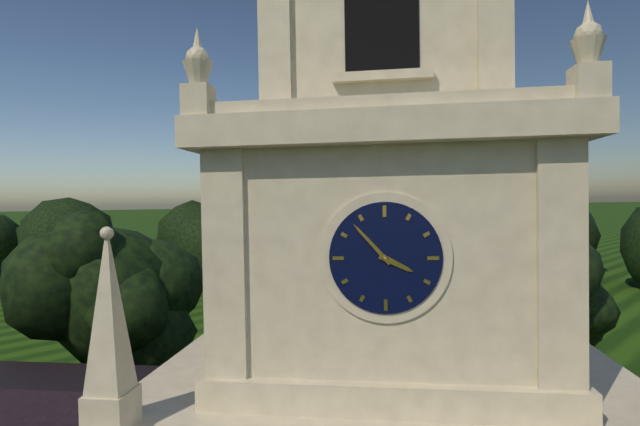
3,53
